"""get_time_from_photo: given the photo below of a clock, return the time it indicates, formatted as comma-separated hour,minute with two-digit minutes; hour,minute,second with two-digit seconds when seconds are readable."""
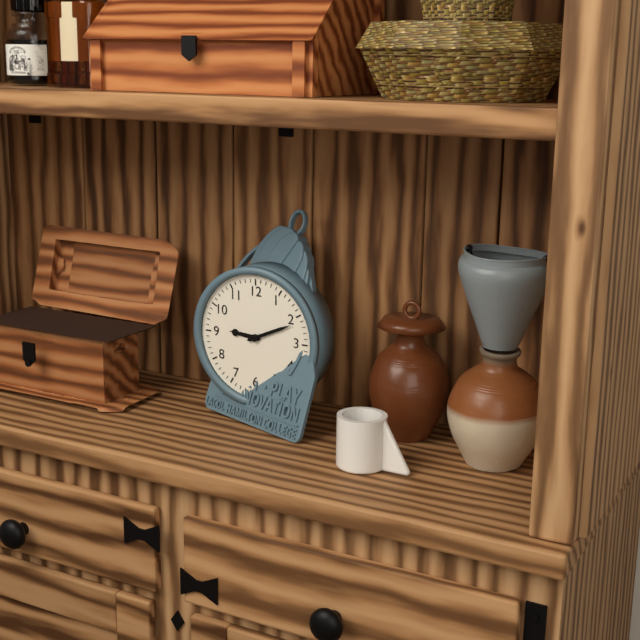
9,11
